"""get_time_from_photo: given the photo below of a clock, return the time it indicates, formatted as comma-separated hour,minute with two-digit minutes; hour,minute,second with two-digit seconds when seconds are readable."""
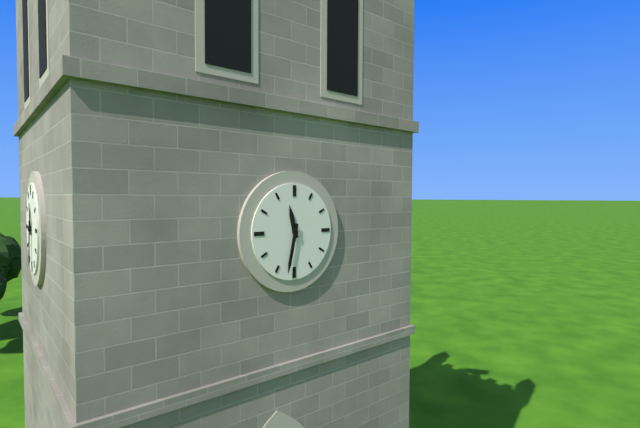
11,32
